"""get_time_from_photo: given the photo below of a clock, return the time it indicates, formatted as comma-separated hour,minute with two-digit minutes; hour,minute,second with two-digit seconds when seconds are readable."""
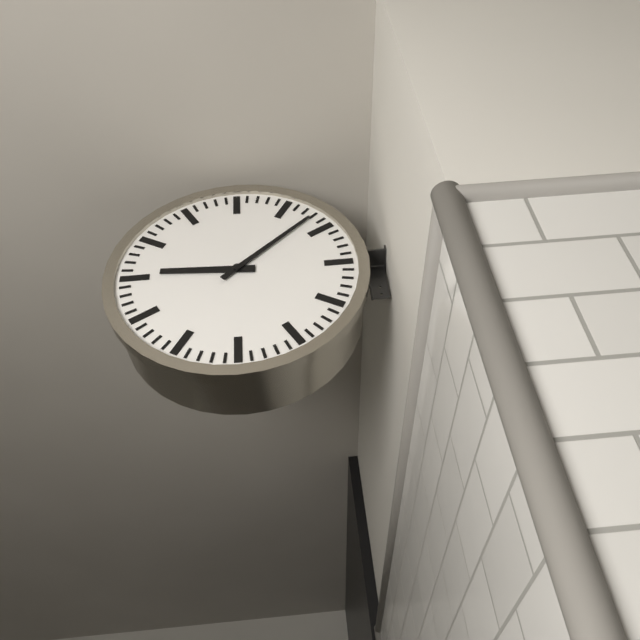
9,08
